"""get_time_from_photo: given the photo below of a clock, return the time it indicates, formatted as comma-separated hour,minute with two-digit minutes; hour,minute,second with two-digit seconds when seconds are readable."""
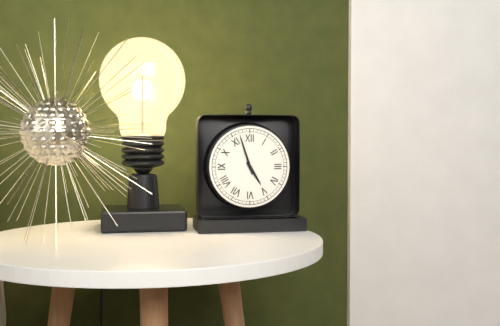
4,57
